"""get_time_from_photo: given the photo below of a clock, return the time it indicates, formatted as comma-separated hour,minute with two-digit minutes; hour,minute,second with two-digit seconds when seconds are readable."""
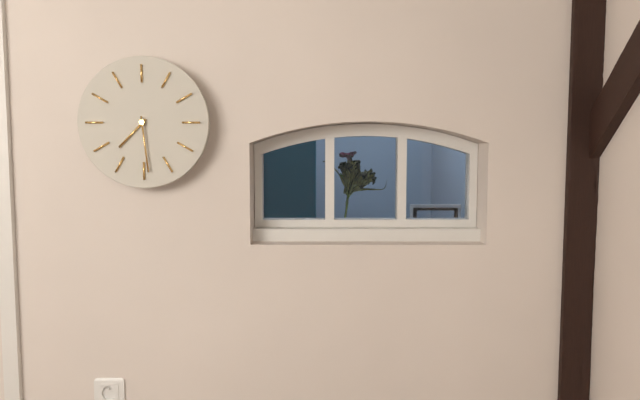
7,29
